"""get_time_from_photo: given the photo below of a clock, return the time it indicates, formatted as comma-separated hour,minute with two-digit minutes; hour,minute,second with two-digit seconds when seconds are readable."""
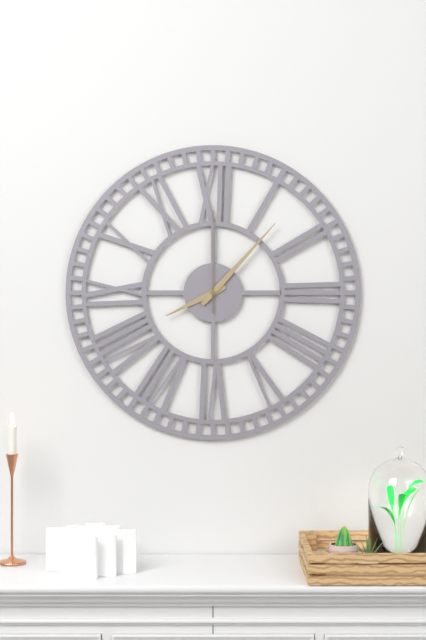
8,07,00
